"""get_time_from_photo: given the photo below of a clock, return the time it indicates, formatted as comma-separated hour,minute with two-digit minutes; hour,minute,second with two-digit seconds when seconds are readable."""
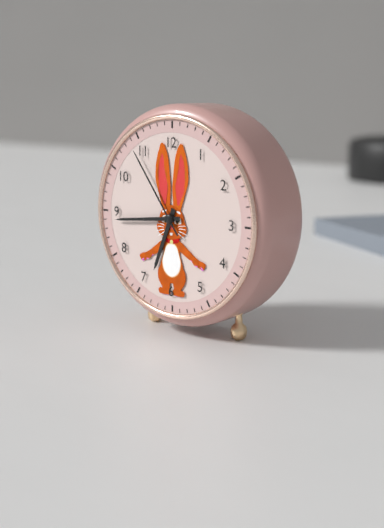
6,44,54
